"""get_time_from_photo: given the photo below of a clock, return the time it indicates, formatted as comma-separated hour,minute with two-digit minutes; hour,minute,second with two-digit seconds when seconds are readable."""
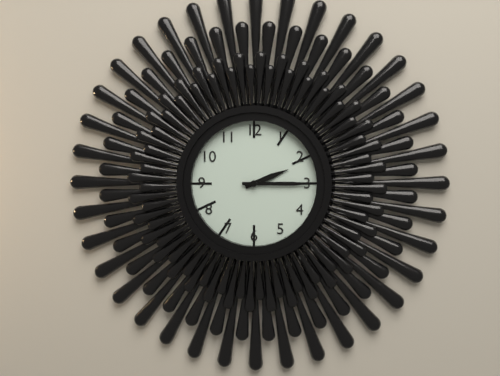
2,15
